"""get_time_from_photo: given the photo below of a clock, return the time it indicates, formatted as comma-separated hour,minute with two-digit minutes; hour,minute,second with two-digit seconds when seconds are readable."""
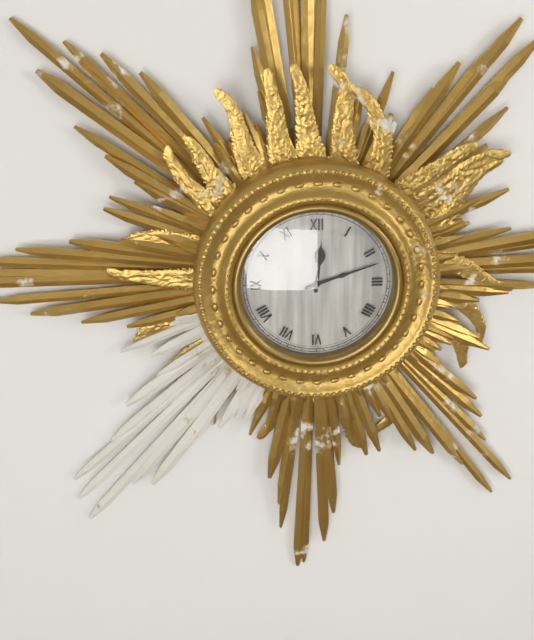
12,12
